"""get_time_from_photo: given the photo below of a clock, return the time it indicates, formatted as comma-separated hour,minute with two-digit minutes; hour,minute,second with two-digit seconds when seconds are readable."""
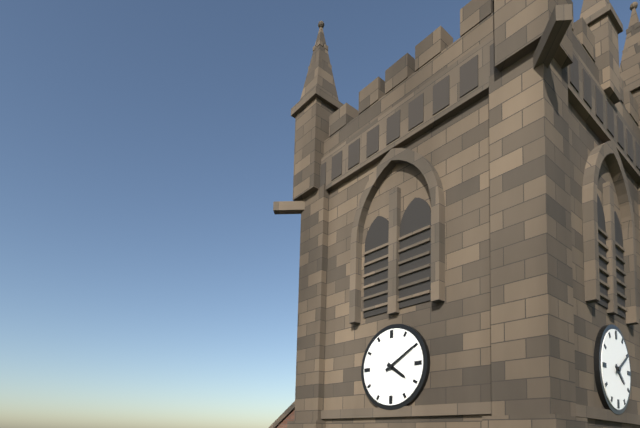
4,10
